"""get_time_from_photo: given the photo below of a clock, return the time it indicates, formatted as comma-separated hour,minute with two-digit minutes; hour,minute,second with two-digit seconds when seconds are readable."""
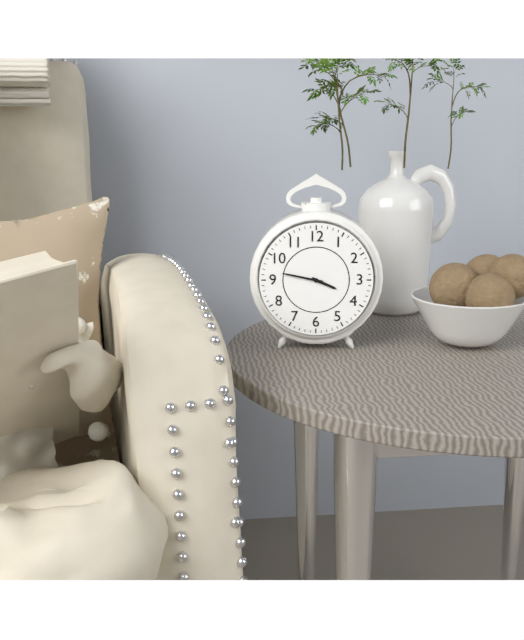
3,47
